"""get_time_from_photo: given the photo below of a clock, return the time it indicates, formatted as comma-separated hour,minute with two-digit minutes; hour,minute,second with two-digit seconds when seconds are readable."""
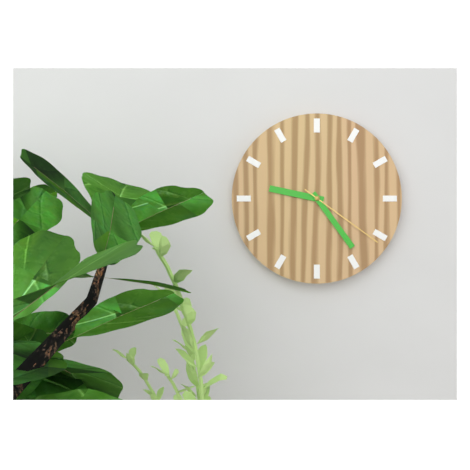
9,24,21
